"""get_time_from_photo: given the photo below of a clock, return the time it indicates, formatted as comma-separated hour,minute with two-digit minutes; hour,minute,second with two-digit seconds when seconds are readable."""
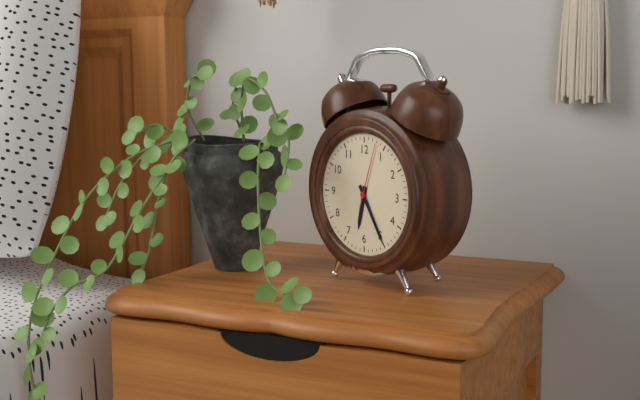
6,25,03
